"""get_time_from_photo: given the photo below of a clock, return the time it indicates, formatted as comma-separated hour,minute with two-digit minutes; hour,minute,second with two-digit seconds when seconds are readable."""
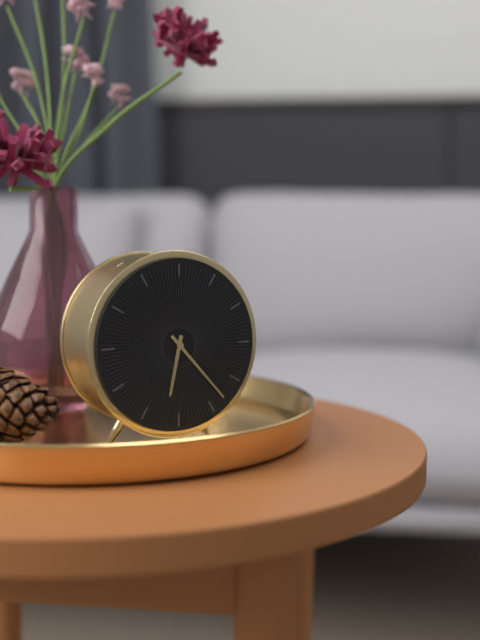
6,23
